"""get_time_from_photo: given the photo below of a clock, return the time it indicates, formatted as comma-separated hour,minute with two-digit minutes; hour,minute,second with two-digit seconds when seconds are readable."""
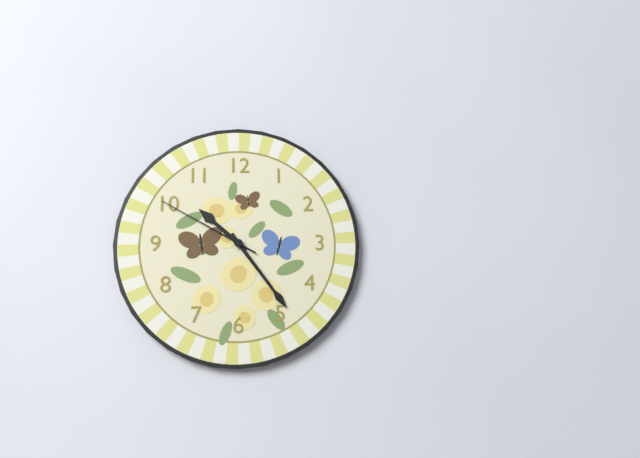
10,24,50
